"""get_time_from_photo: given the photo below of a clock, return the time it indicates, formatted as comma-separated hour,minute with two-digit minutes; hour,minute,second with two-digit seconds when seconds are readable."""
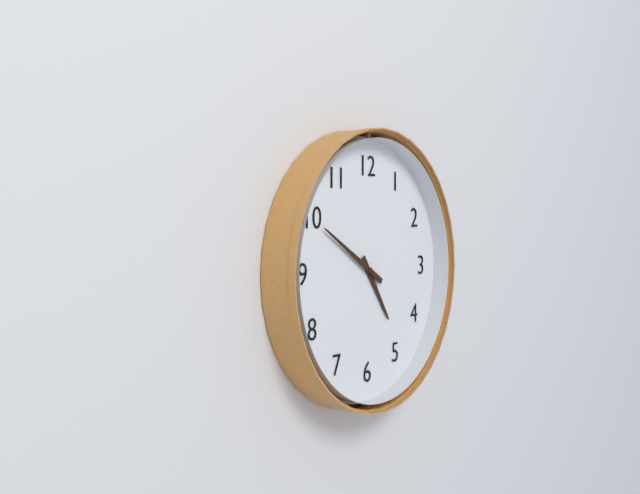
4,50
